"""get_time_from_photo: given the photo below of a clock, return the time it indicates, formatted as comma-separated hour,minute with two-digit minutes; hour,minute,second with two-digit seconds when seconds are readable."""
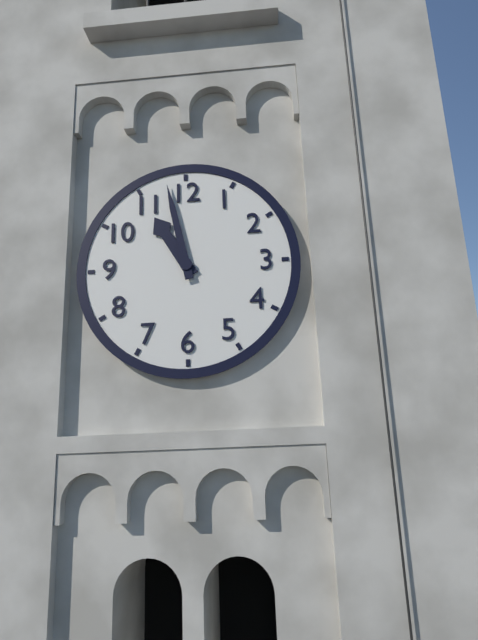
10,58
